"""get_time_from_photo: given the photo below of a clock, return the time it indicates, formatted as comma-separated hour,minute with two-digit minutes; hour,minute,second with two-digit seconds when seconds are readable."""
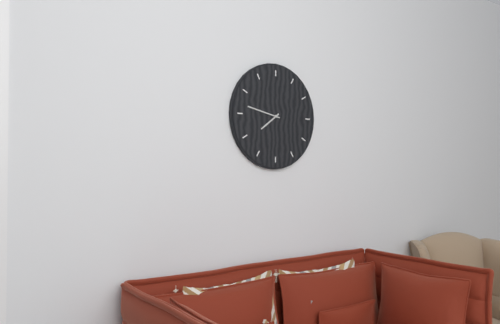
7,47
